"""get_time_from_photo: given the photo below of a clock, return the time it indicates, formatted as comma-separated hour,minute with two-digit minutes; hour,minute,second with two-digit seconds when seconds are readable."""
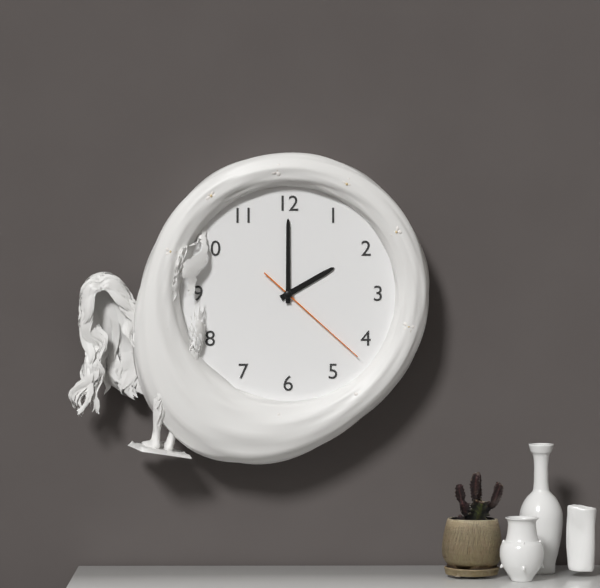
2,00,22
